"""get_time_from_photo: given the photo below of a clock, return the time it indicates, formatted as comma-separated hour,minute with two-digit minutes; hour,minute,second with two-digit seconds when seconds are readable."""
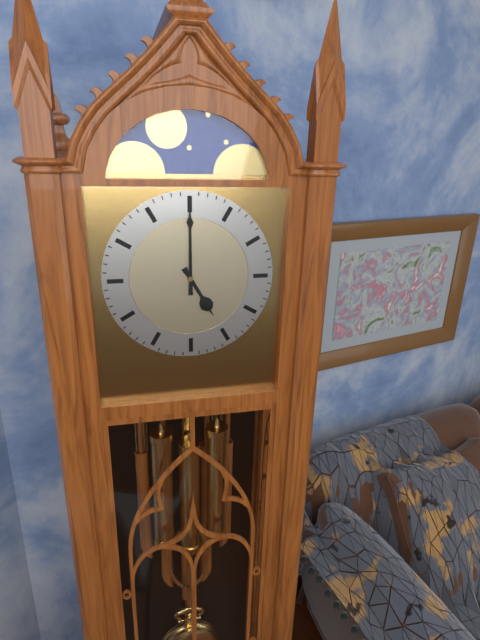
5,00
